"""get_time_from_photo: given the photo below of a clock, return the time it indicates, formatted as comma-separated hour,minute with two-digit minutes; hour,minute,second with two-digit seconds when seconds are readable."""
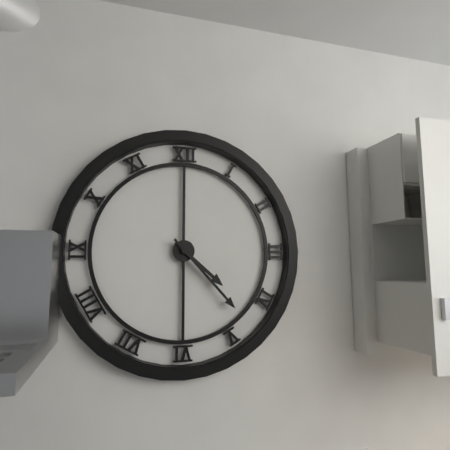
4,23
